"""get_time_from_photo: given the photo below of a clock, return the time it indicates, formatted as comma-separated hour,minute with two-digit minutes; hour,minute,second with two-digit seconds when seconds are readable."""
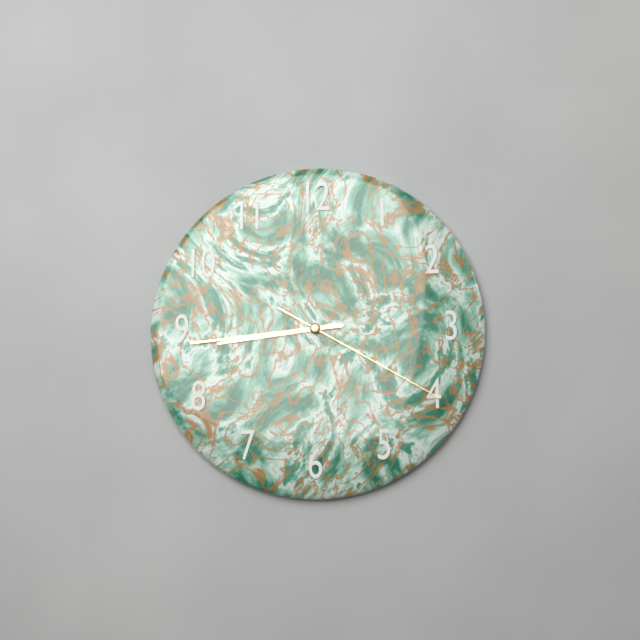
8,44,20
